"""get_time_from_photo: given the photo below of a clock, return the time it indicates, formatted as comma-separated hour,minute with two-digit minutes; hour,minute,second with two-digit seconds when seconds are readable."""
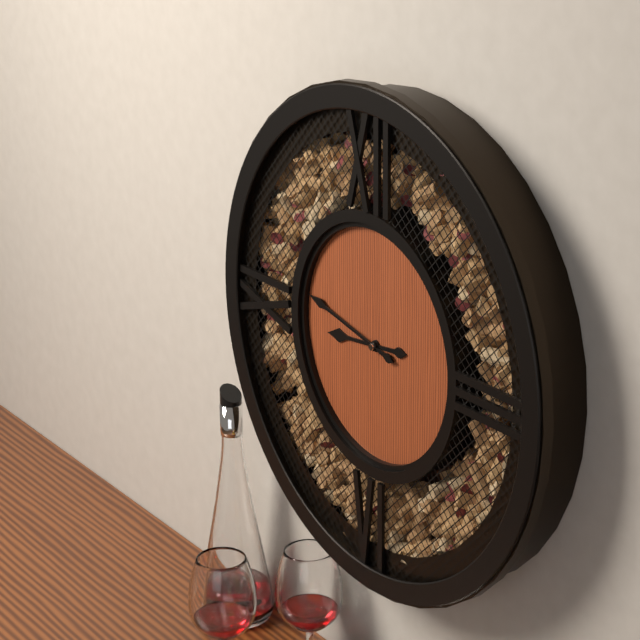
8,47
